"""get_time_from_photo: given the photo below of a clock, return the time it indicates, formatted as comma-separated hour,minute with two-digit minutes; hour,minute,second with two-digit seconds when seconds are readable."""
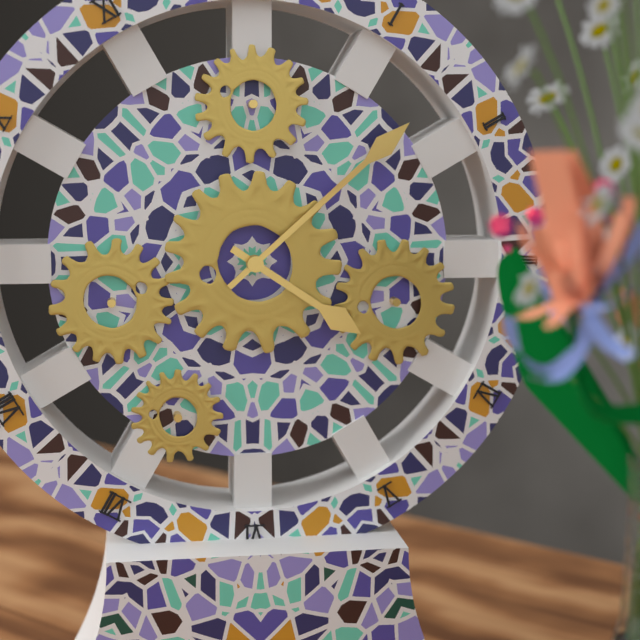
4,08
